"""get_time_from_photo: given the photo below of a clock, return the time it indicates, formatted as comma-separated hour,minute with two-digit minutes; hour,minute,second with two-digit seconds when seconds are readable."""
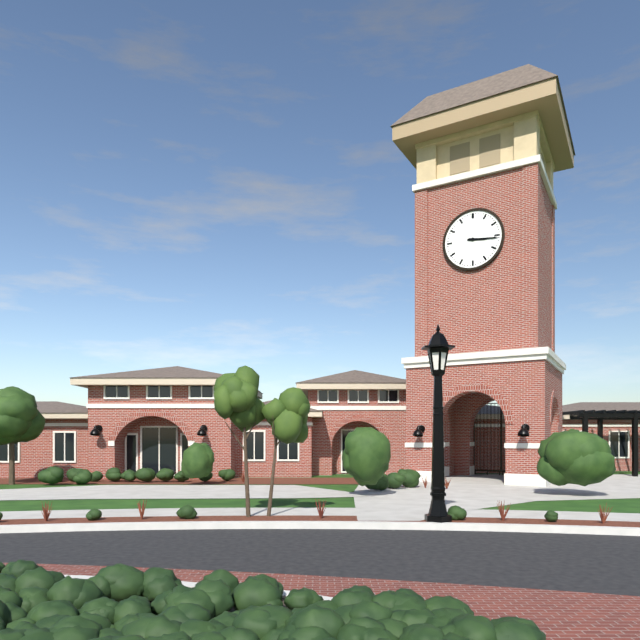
3,16
